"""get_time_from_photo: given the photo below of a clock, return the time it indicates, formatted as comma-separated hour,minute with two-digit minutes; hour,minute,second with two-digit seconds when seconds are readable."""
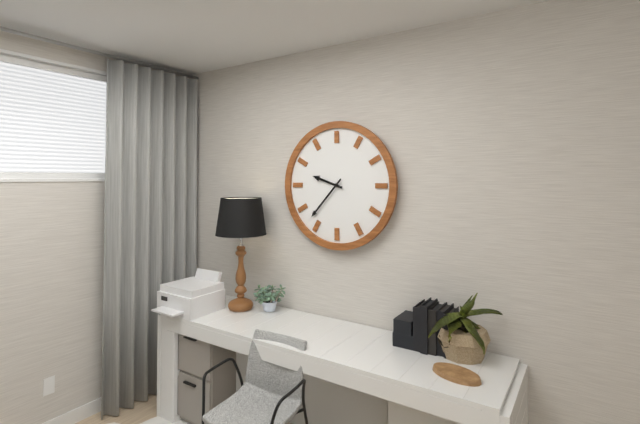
9,37
